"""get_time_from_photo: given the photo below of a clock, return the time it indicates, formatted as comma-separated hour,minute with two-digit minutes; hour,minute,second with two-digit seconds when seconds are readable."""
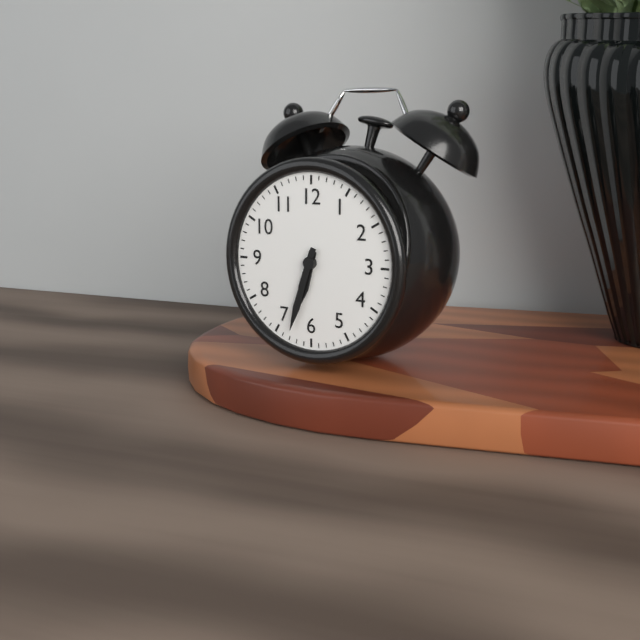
6,33
